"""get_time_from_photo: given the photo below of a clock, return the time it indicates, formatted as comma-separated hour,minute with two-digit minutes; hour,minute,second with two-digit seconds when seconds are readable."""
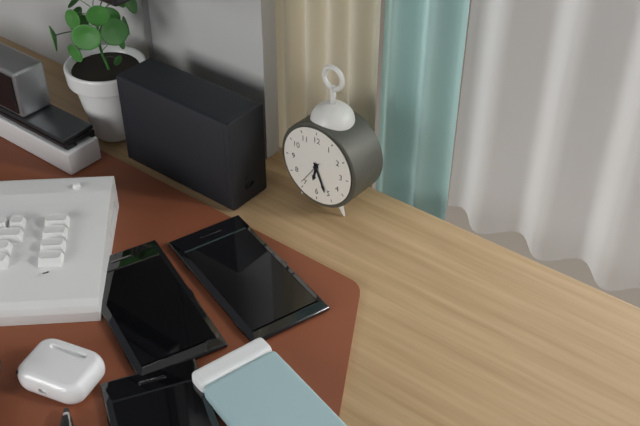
6,26
